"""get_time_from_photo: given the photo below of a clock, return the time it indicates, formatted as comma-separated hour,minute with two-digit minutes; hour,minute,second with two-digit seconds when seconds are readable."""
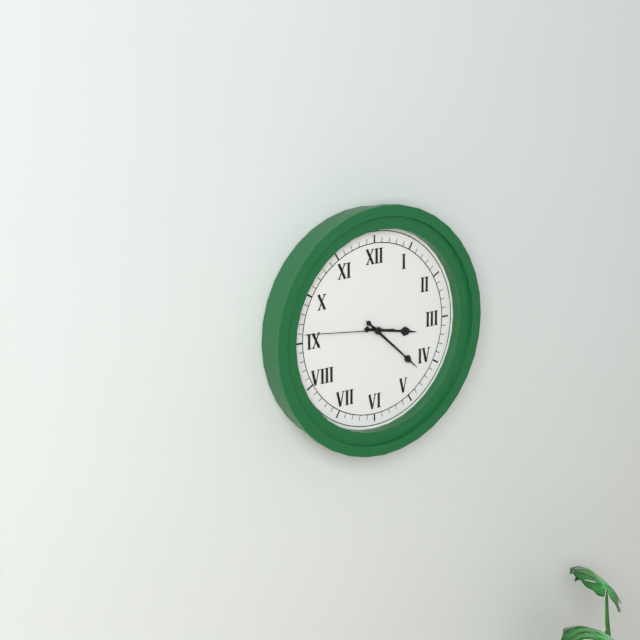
3,22,46
